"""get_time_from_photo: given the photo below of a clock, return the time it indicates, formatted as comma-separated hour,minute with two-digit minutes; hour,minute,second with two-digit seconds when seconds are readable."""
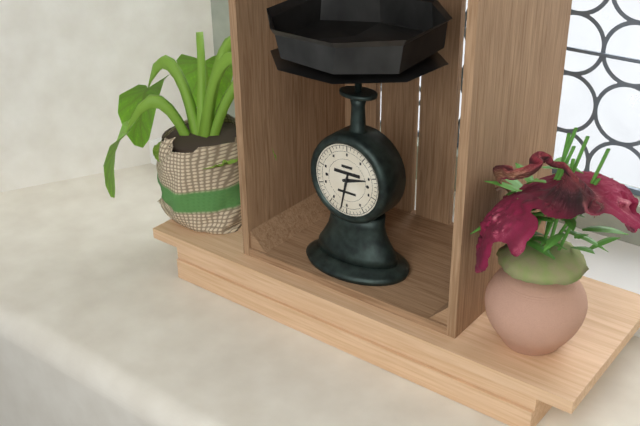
2,32
